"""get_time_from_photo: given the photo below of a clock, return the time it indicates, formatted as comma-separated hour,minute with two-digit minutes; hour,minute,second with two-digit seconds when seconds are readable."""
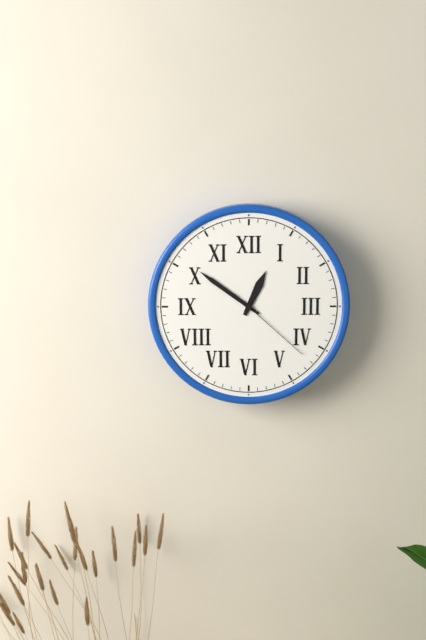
12,51,22
